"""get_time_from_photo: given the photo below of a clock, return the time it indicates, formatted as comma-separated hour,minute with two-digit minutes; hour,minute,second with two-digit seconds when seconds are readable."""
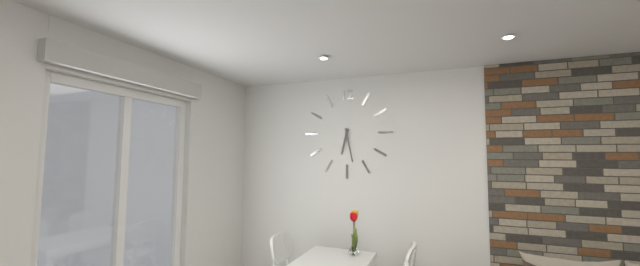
6,28
